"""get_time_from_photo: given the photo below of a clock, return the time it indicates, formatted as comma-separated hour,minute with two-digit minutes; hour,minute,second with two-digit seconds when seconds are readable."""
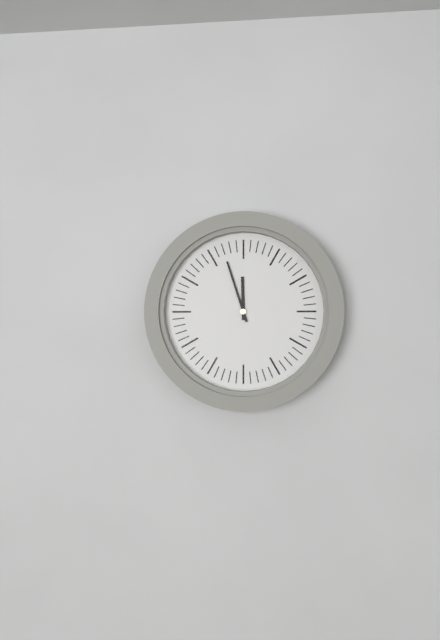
11,57
